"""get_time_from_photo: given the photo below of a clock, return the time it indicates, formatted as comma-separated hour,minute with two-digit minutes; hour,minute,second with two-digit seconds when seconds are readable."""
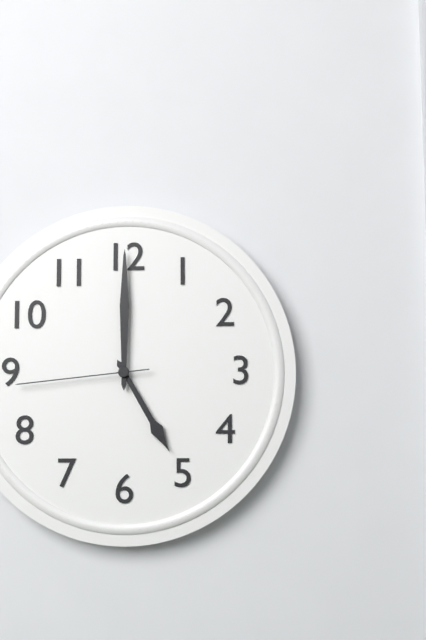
5,00,44
